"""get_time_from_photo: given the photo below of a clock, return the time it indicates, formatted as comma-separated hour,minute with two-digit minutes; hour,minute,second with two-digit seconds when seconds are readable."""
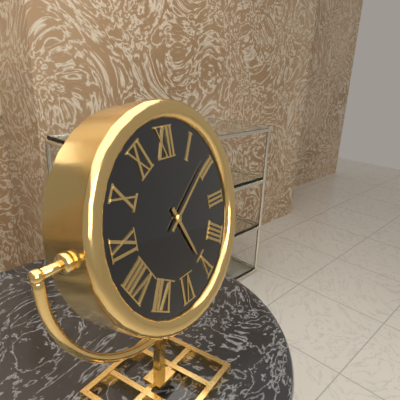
5,09
